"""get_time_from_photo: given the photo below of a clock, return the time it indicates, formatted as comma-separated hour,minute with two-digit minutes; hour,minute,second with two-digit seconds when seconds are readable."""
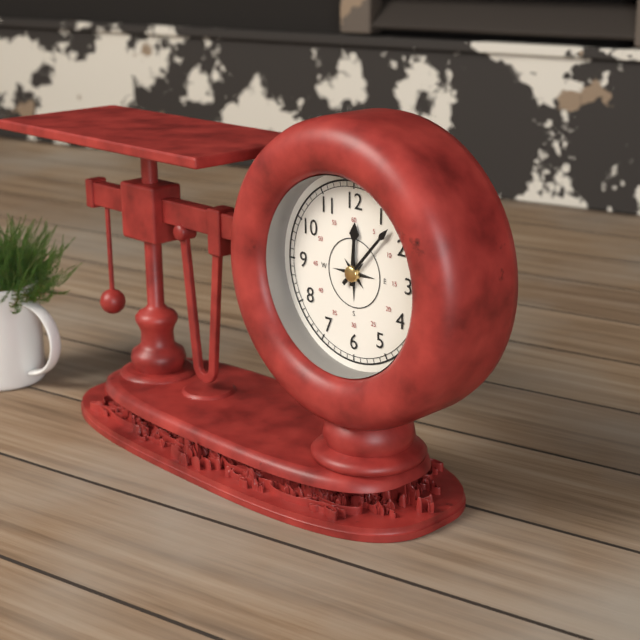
12,07
